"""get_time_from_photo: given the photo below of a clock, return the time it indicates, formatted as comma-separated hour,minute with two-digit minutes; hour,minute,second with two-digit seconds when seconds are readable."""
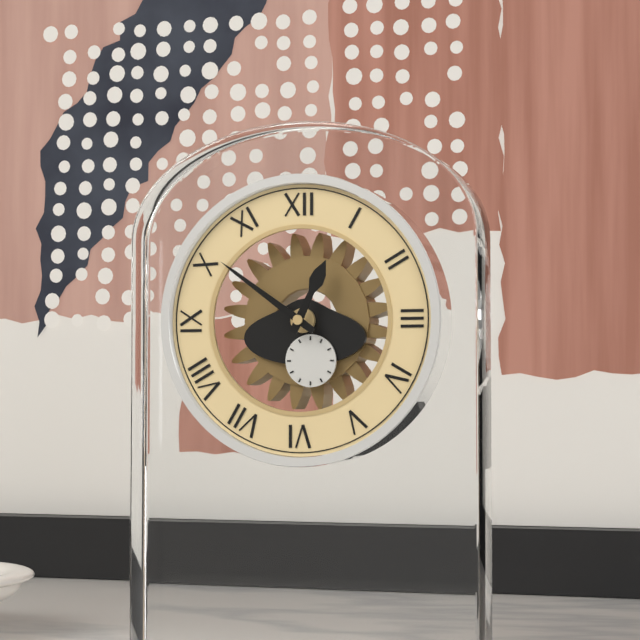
12,51
